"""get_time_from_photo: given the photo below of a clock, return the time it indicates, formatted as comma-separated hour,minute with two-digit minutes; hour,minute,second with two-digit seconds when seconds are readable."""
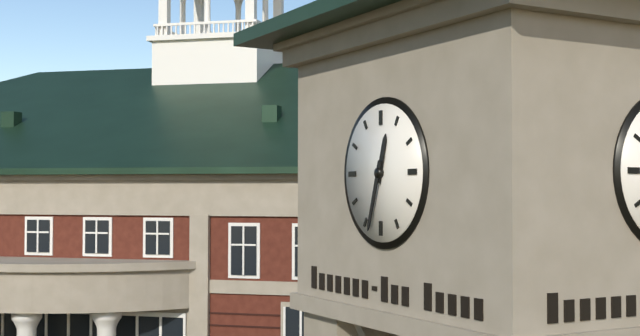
12,33
